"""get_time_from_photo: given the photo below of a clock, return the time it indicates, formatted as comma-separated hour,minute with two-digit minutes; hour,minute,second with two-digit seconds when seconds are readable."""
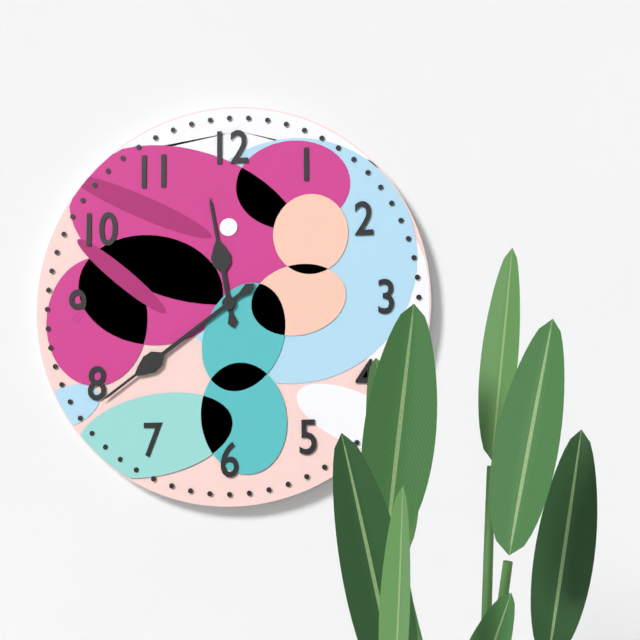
11,39
